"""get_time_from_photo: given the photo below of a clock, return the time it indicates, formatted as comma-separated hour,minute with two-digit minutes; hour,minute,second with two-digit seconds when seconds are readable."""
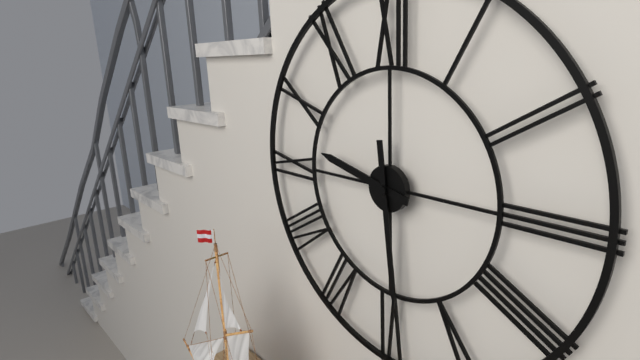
9,29
